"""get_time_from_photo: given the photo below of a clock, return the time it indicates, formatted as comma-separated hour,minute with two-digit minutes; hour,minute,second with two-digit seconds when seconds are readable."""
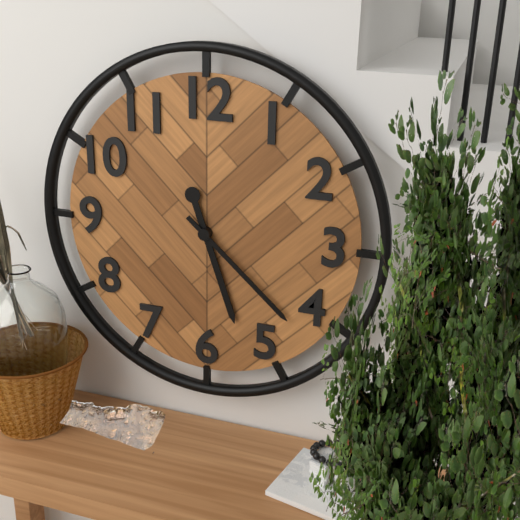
5,22
